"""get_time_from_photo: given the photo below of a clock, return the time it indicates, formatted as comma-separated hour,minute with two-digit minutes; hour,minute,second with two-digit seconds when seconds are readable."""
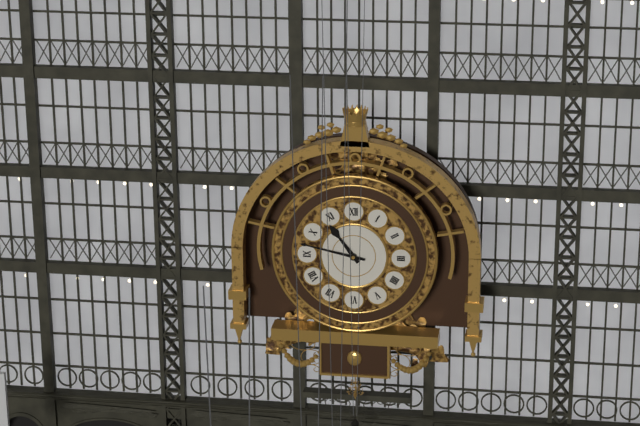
10,47
